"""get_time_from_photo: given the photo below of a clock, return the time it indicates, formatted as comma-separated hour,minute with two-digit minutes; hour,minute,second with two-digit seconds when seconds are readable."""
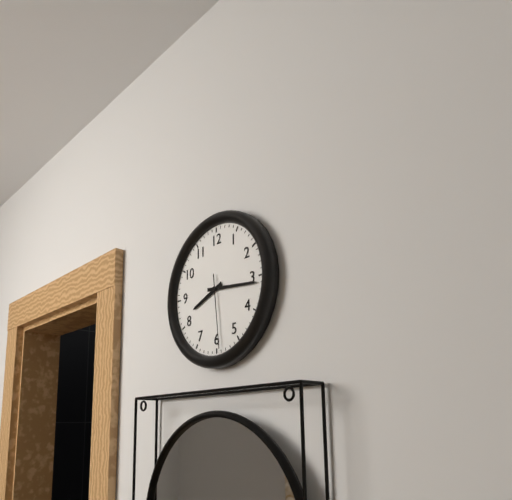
8,16,29
